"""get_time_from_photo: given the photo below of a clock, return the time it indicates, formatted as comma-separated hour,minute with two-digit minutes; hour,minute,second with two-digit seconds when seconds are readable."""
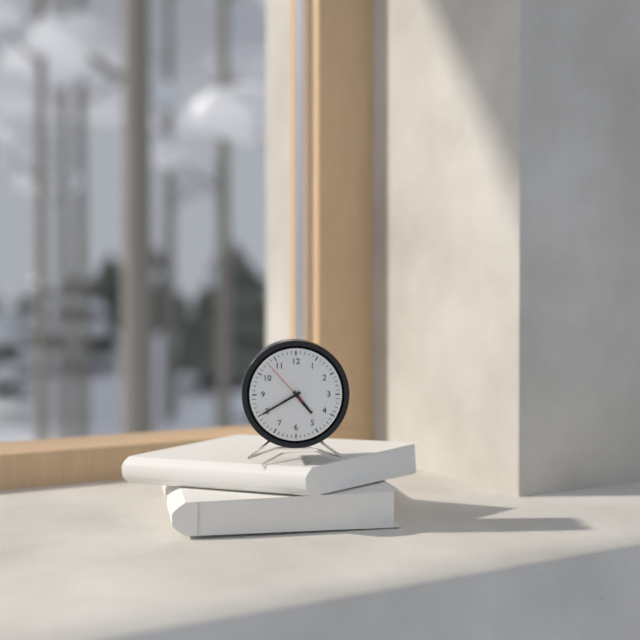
4,40
